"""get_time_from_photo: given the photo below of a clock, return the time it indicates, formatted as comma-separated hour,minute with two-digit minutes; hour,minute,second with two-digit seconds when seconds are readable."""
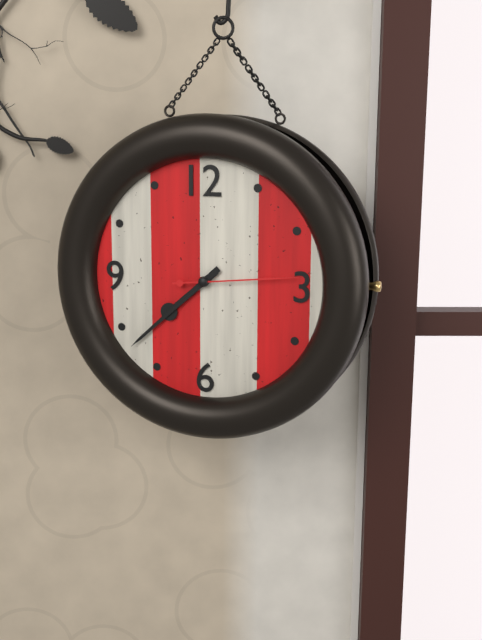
7,38,14
